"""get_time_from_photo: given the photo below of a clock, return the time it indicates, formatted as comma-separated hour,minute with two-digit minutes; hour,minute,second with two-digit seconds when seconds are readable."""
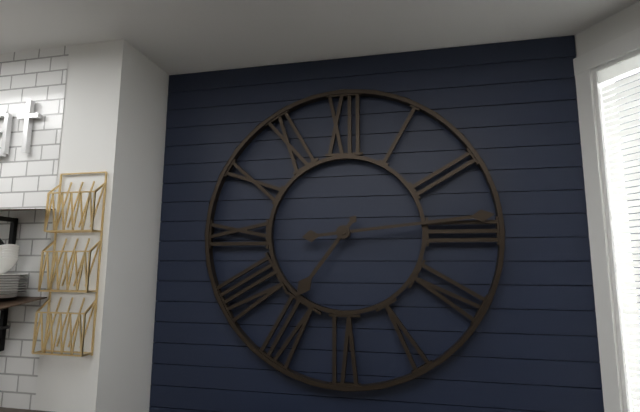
7,14
